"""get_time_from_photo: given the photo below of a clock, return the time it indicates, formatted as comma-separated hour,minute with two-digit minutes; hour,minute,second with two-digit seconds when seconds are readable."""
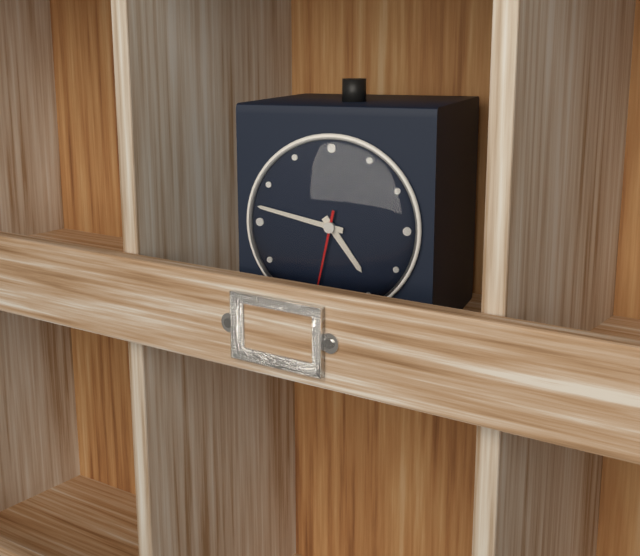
4,47,32
